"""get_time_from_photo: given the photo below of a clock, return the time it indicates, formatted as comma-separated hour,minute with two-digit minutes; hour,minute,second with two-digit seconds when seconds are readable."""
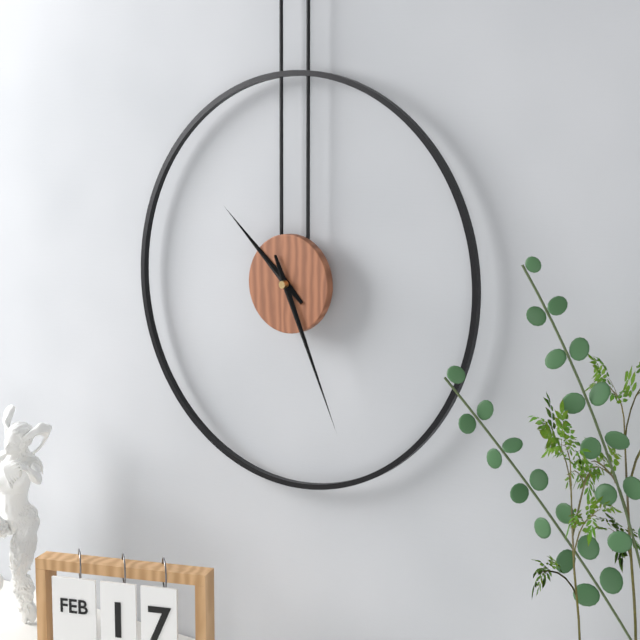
10,26
